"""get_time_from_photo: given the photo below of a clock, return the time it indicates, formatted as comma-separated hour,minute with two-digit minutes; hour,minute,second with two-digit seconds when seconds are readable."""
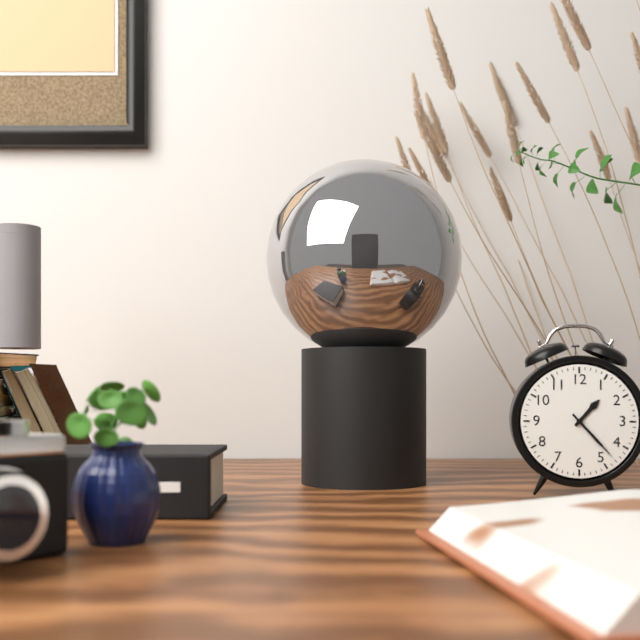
1,23
